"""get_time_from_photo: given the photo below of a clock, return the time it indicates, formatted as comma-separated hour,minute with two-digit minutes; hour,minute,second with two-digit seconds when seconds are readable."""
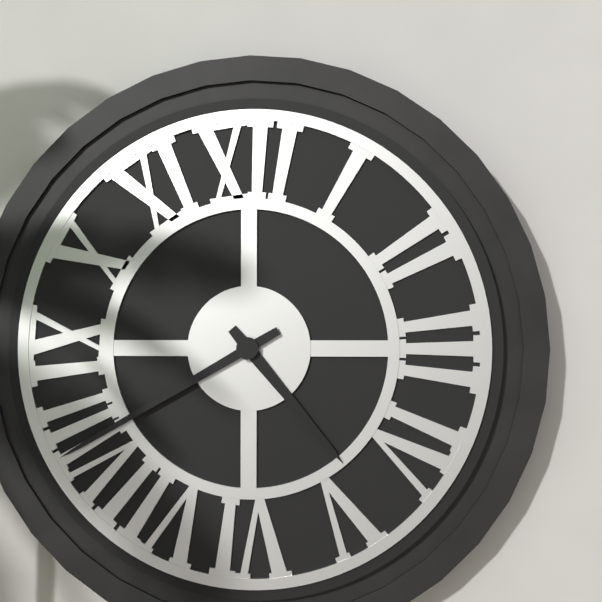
4,40
